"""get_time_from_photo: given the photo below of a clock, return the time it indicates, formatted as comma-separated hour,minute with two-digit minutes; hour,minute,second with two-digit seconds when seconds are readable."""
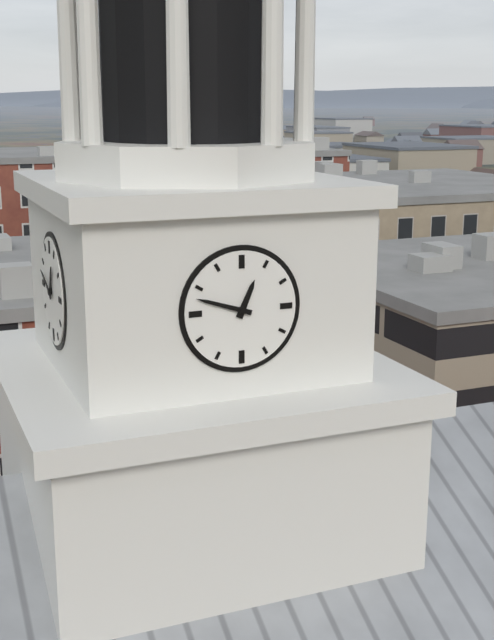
12,48
